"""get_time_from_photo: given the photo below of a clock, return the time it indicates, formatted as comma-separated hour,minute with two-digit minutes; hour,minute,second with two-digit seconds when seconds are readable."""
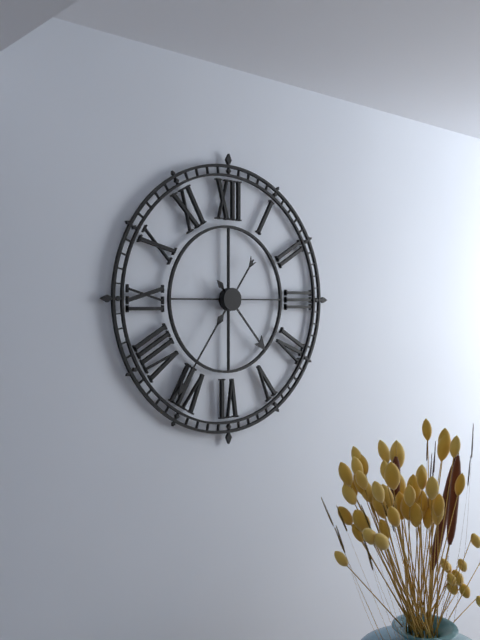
4,36
